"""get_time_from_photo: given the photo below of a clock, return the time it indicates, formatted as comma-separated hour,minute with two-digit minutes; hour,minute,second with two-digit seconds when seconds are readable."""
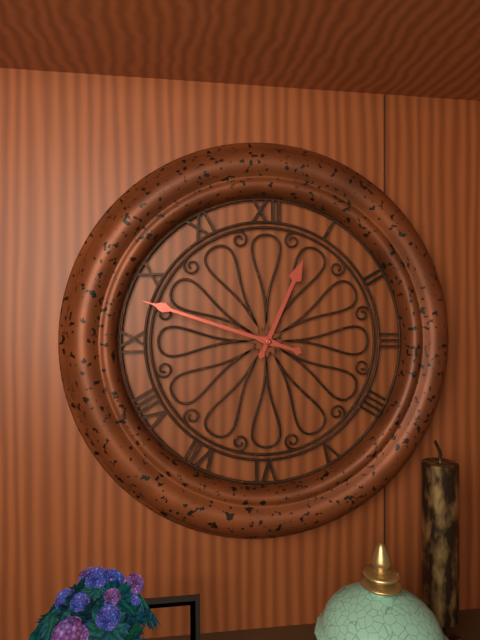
12,48
